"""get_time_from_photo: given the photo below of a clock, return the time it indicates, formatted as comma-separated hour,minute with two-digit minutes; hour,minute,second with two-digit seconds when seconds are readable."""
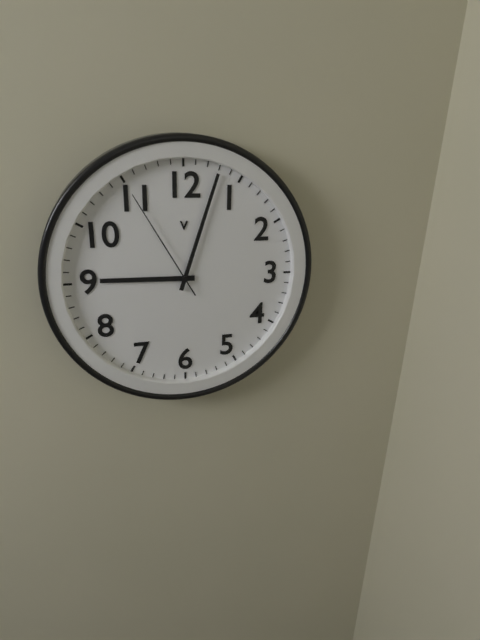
9,03,55
